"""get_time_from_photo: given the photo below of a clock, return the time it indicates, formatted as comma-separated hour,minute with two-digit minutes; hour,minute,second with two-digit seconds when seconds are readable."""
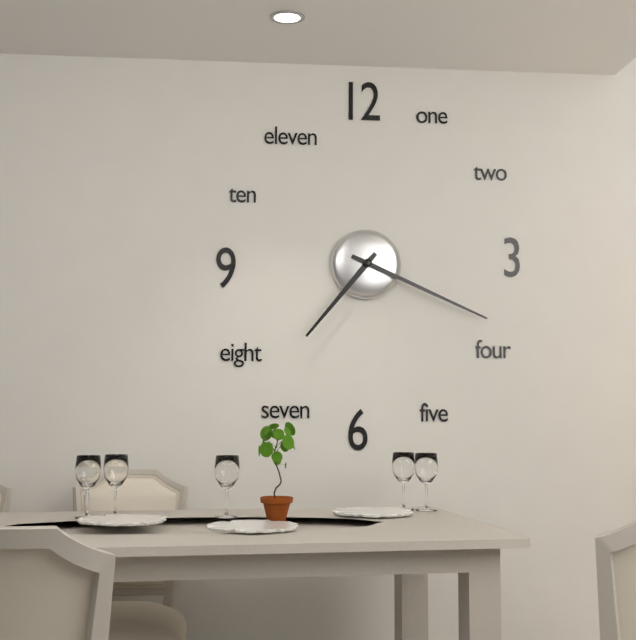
7,19
